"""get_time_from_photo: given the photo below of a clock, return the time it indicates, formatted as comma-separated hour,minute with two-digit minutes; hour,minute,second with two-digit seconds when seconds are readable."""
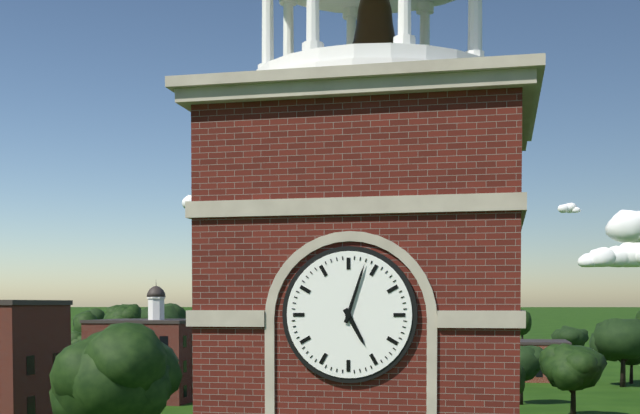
5,03
